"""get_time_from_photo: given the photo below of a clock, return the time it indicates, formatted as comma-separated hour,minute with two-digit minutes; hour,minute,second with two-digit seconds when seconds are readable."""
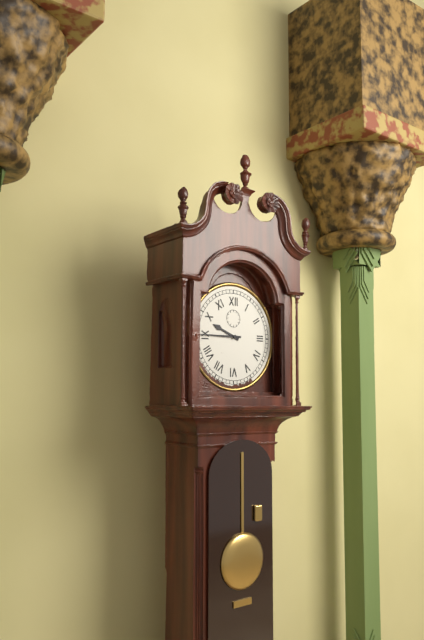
9,45
